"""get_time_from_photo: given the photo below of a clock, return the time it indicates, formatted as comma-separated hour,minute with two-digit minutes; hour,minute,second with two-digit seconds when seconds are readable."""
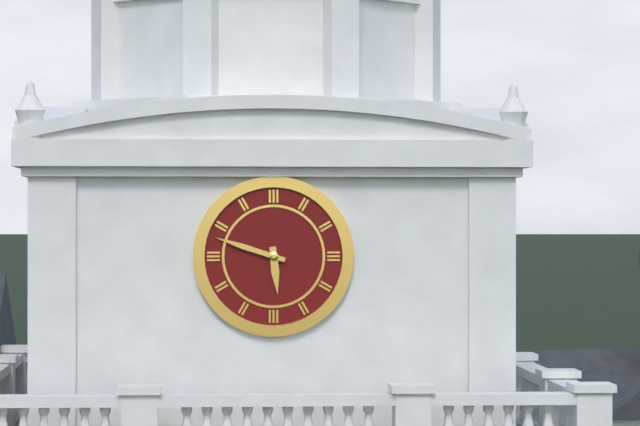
5,48
